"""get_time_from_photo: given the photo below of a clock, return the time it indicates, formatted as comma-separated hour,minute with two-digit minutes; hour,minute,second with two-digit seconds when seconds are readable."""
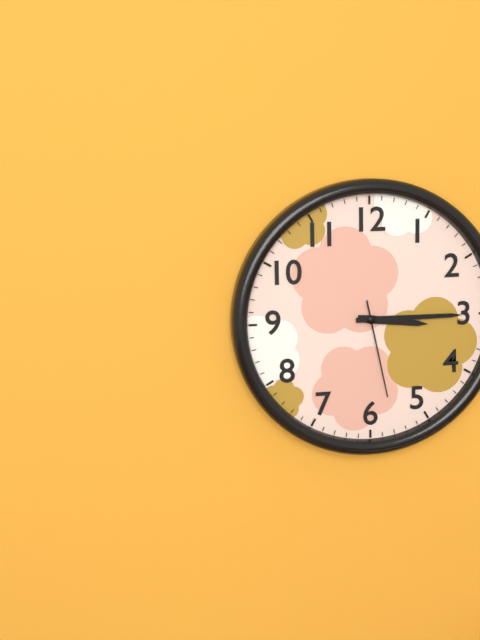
3,15,28
